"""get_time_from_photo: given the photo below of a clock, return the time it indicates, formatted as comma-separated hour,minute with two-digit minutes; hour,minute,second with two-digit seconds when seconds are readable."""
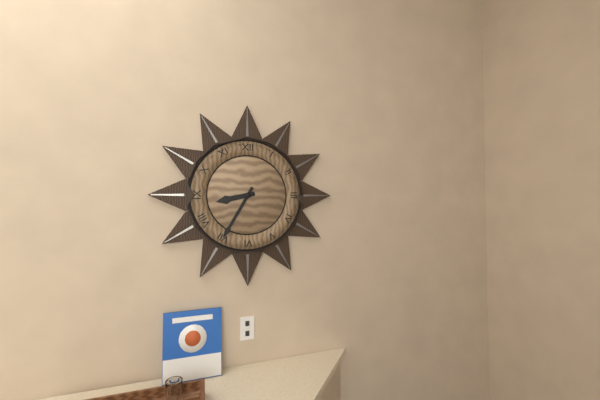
8,35
